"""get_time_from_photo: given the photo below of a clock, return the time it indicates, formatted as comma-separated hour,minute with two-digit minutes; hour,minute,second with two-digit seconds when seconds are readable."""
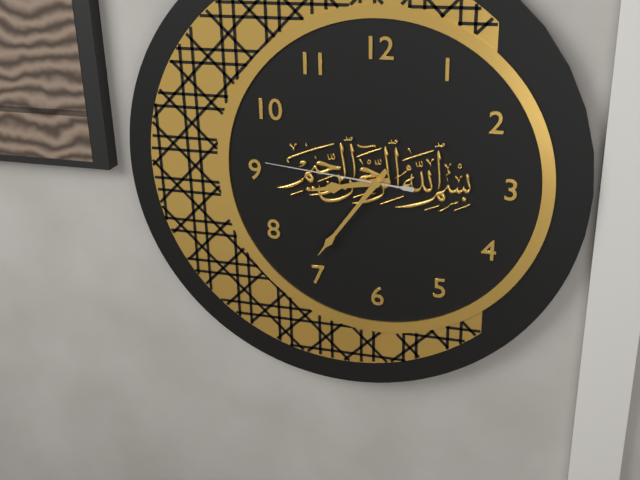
8,36,46
